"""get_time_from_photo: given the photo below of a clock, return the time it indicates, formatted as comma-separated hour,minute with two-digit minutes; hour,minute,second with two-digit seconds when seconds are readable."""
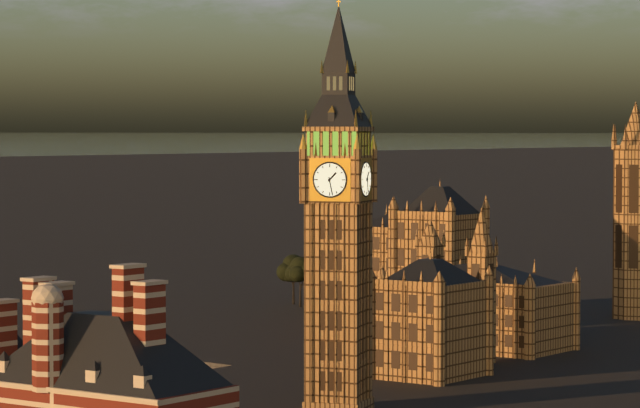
1,28
